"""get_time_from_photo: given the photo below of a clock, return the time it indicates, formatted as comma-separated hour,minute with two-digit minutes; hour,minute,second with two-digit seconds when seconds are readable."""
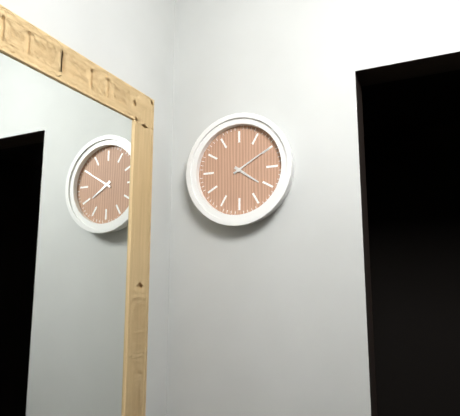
4,10
